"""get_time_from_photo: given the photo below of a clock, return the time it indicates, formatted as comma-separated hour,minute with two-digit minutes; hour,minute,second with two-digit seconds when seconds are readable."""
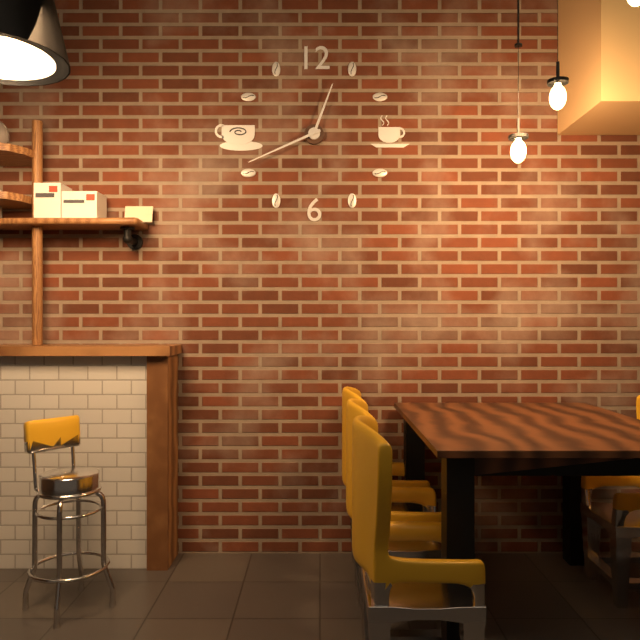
12,41
